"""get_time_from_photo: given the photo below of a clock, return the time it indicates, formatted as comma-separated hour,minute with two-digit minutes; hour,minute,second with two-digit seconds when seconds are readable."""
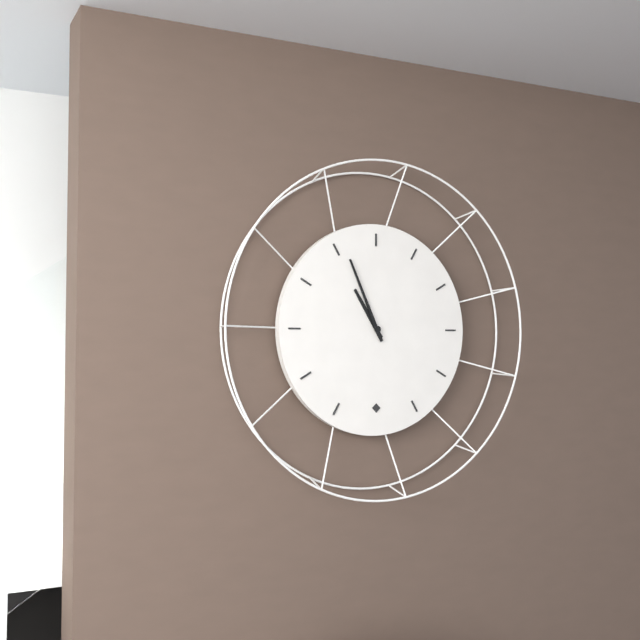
10,56
